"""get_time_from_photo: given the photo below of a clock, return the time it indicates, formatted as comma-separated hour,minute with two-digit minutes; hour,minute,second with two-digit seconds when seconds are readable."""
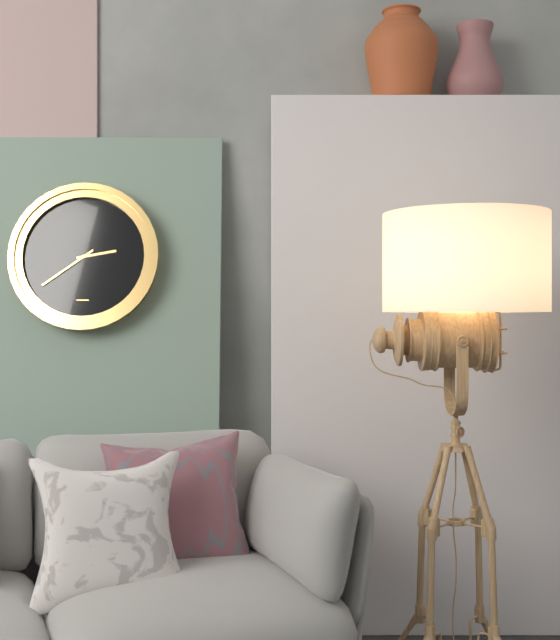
2,39
